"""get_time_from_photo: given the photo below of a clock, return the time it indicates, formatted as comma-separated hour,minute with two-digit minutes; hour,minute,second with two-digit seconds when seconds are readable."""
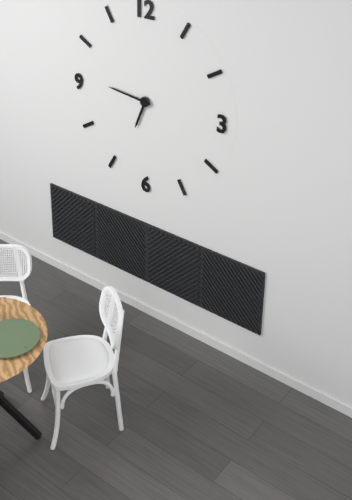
6,46
